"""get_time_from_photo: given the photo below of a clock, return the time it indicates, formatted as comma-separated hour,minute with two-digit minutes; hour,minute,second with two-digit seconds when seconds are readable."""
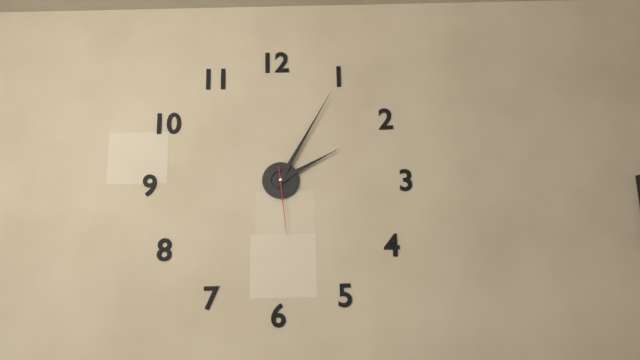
2,05,29
